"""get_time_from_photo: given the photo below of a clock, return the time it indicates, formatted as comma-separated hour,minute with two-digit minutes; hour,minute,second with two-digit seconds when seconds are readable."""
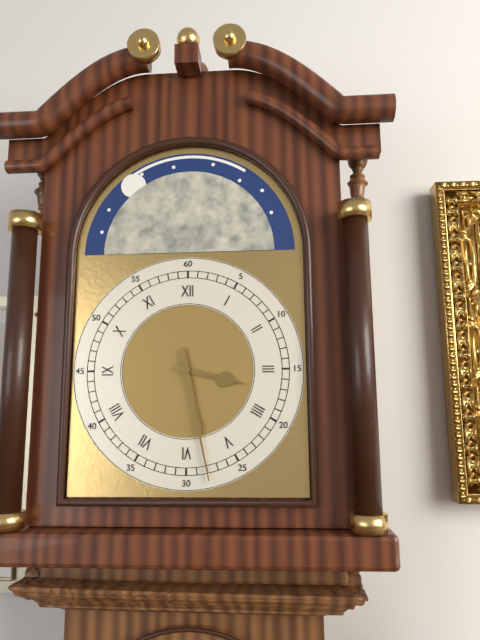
3,28
